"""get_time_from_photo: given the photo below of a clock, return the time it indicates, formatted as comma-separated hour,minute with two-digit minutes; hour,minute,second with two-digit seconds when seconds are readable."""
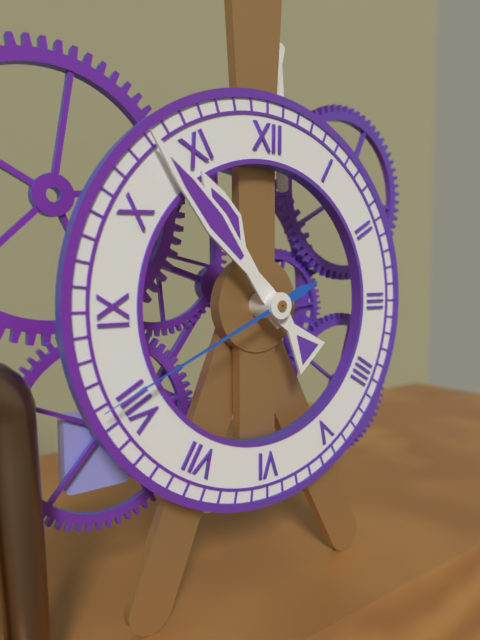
10,53,41
